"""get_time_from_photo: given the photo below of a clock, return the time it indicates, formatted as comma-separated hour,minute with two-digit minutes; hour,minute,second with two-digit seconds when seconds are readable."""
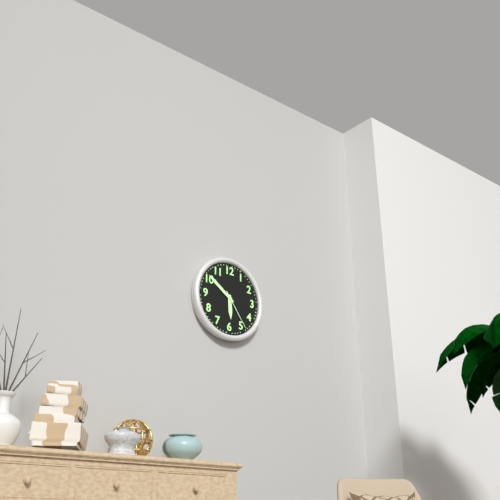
5,51
